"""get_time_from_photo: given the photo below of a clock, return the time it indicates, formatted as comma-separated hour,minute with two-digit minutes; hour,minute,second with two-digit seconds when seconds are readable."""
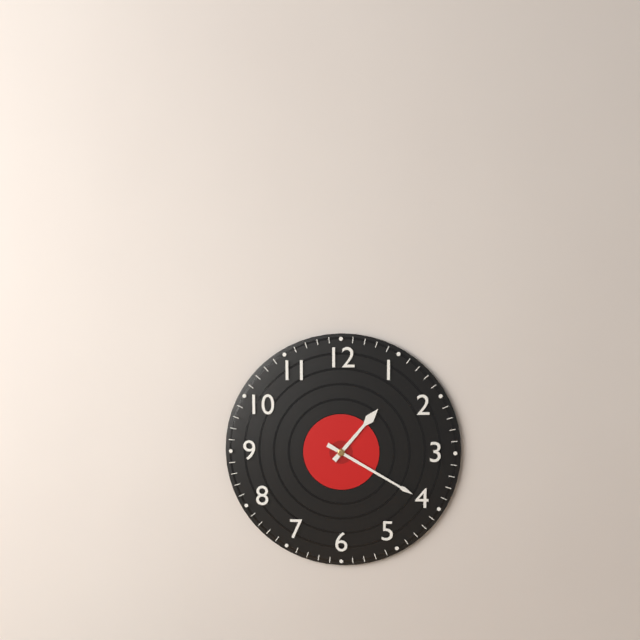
1,20
